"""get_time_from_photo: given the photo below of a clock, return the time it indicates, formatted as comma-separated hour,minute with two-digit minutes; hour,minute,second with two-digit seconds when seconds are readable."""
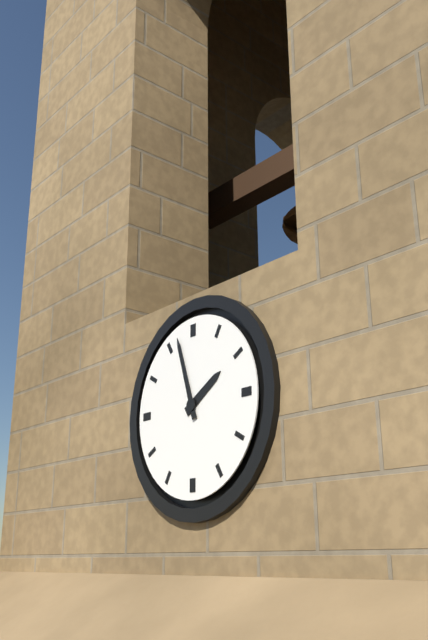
1,57
